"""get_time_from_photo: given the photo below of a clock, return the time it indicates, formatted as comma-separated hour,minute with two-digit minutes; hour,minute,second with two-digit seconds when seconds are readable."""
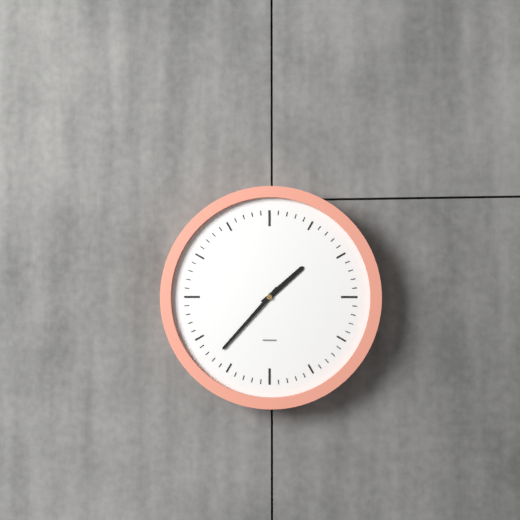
1,37
